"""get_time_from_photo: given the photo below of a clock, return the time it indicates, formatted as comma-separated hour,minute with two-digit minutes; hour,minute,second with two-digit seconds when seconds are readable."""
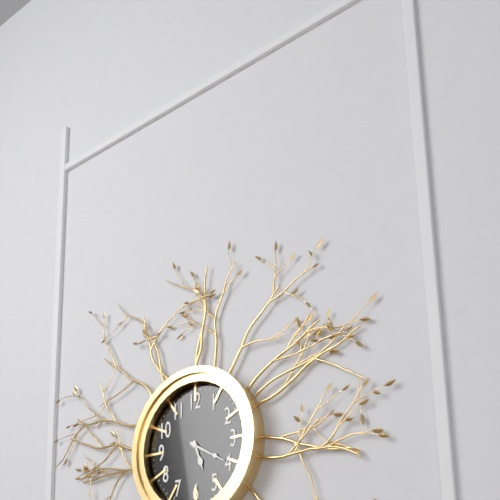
5,20
